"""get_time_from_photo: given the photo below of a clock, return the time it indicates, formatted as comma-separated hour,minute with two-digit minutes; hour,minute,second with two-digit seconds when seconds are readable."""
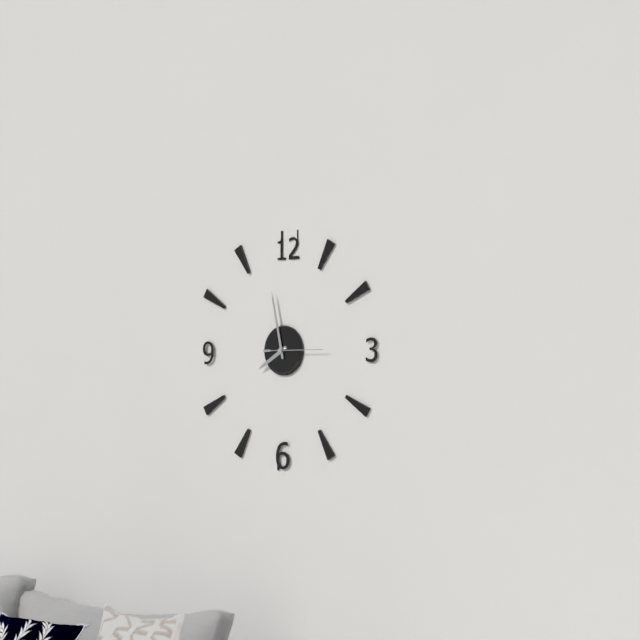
7,58,15
